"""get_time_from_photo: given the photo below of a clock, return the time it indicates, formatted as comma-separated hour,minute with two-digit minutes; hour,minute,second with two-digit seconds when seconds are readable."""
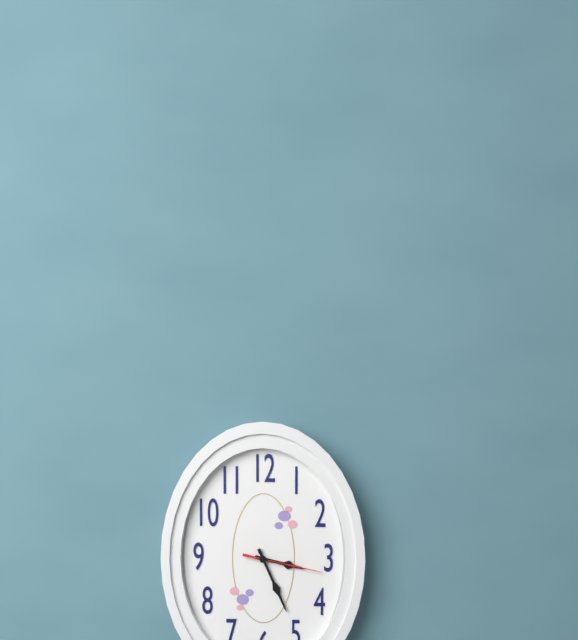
3,26,17
